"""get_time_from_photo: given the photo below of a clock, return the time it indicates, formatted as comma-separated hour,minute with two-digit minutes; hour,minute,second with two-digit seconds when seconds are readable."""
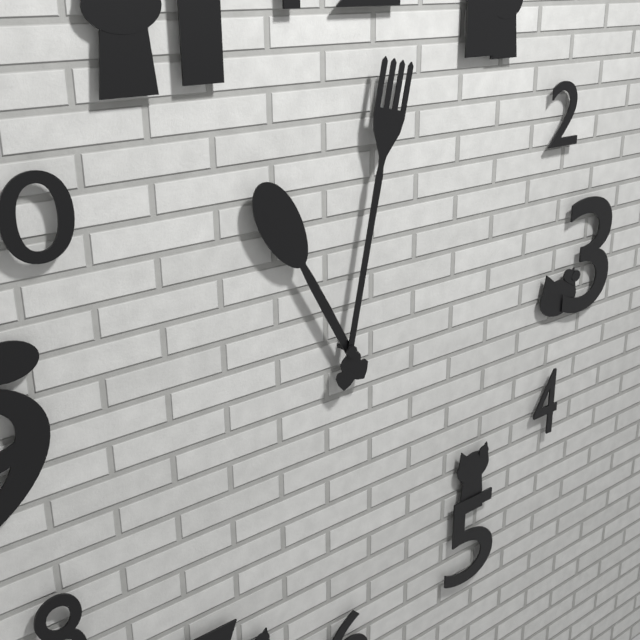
11,02
